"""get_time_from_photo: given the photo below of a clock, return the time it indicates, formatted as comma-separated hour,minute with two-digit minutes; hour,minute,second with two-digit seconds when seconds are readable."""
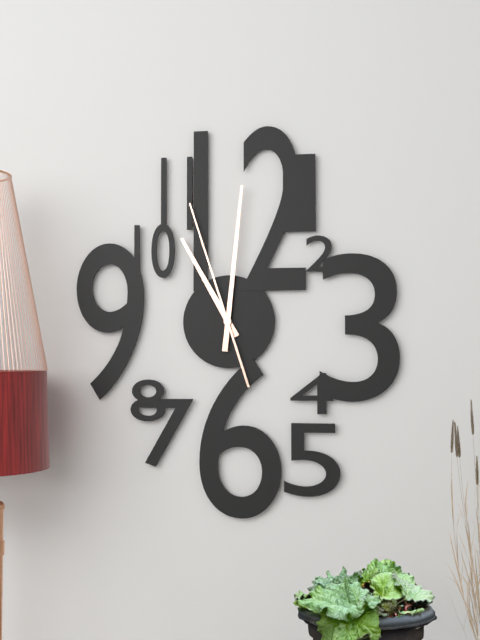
11,01,57
